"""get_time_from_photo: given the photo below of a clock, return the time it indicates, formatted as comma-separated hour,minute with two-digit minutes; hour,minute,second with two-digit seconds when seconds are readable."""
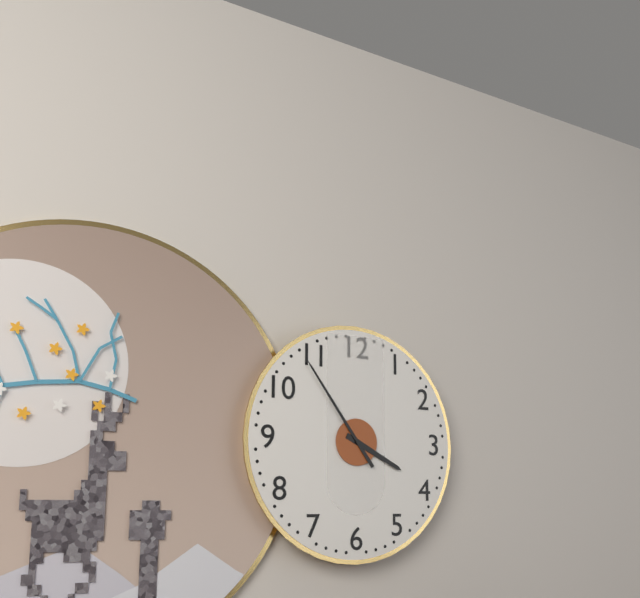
3,54
